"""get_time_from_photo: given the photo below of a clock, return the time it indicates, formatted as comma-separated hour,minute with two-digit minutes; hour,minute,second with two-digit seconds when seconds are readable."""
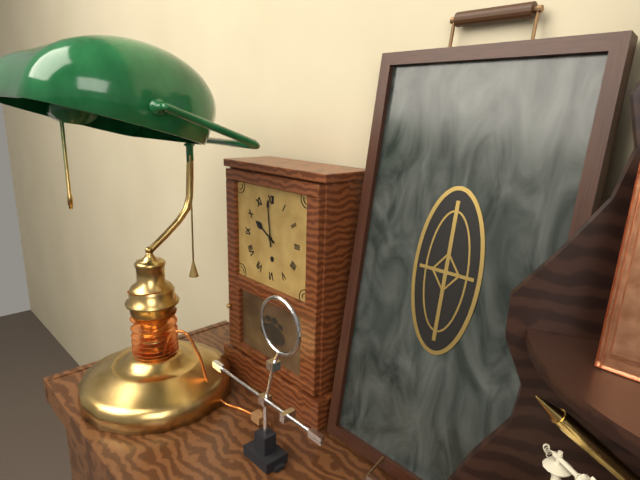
9,59
